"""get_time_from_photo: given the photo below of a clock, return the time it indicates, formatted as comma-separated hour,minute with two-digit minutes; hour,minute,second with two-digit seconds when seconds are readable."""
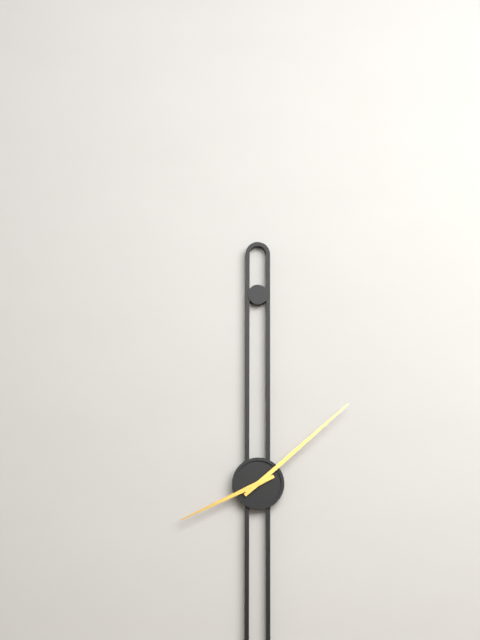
8,08
